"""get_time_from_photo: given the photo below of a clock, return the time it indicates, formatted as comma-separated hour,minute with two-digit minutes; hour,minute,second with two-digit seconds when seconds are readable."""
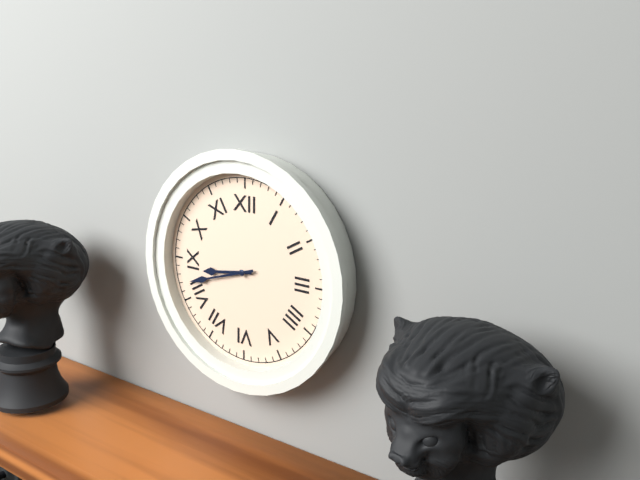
8,42
